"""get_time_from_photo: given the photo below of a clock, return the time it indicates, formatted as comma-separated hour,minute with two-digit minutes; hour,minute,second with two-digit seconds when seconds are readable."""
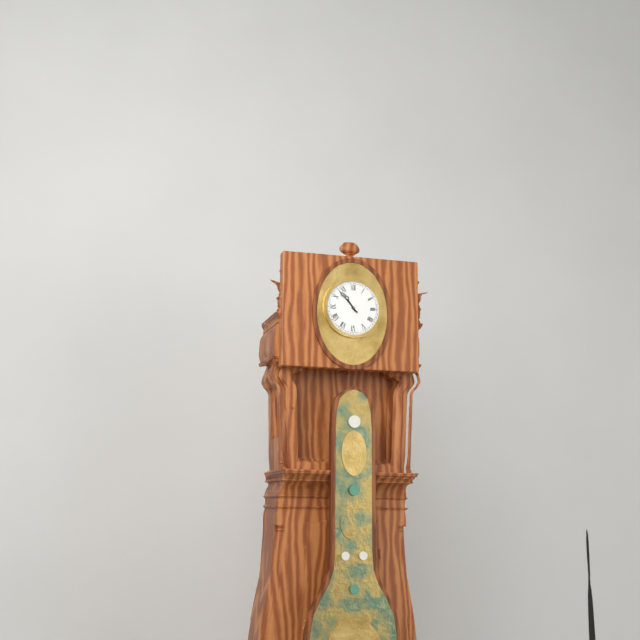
10,53
